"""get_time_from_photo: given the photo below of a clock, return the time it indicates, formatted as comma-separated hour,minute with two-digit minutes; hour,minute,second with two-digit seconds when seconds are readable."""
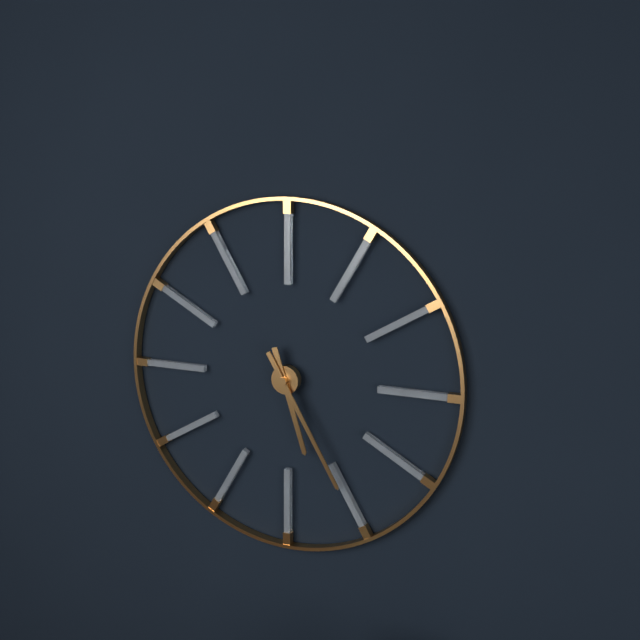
5,25
